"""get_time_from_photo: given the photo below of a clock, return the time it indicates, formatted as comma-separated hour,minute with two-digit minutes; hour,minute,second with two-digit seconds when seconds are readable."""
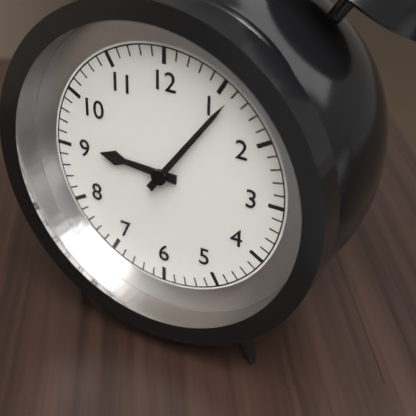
9,06
